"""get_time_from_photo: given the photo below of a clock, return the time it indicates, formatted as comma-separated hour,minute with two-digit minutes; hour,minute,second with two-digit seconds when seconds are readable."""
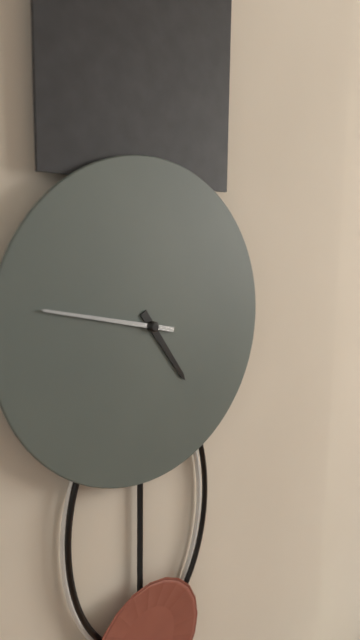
4,47
